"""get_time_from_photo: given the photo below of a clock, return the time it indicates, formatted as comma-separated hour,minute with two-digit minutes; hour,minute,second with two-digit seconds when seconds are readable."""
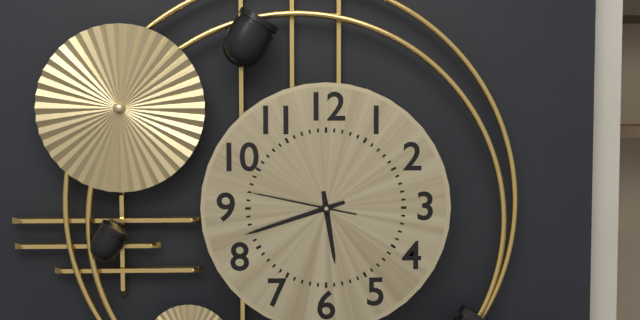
5,42,47
